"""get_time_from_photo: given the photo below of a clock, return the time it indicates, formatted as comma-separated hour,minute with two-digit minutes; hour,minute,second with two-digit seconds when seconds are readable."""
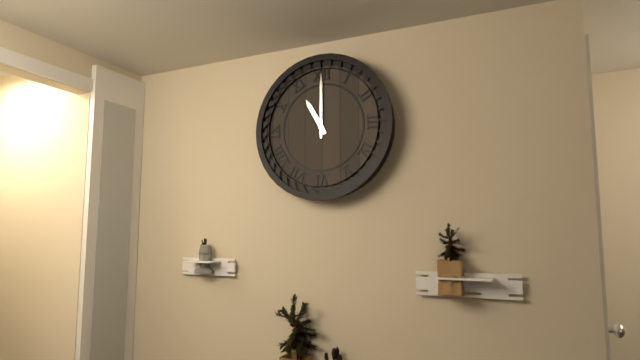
11,00
